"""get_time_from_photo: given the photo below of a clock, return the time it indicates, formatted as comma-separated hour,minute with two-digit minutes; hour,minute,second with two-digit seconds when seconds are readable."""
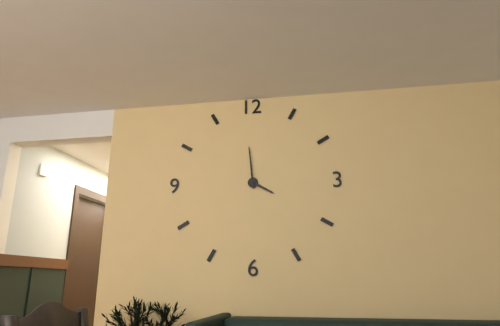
3,59
